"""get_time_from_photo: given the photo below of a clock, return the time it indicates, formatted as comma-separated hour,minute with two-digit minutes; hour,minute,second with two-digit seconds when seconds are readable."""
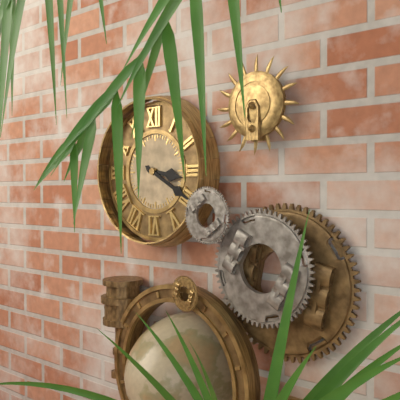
3,20
